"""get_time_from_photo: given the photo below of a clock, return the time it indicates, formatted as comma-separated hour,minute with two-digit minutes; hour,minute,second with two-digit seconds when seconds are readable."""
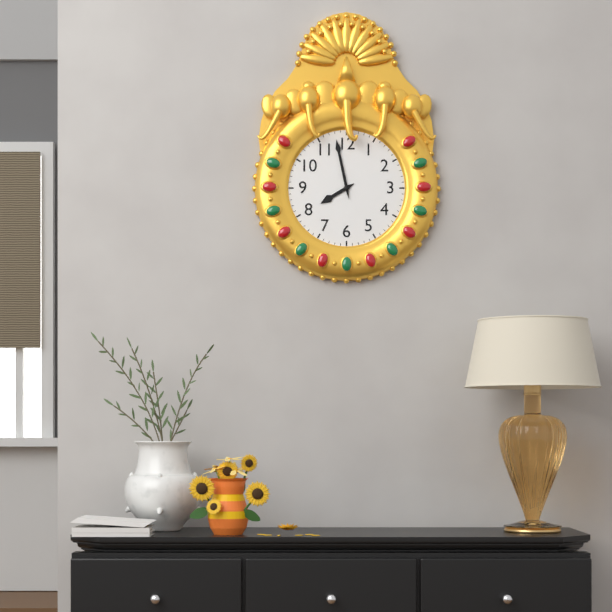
7,58
